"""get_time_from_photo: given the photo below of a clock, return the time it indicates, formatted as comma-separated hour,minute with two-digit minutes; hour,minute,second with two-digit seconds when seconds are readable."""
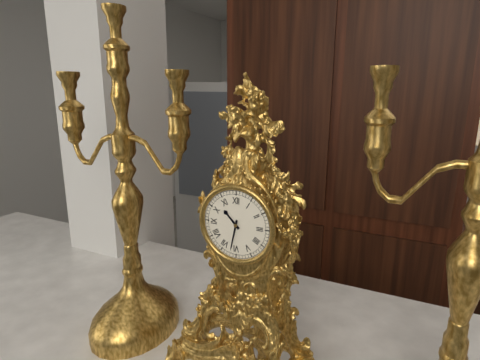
10,32
